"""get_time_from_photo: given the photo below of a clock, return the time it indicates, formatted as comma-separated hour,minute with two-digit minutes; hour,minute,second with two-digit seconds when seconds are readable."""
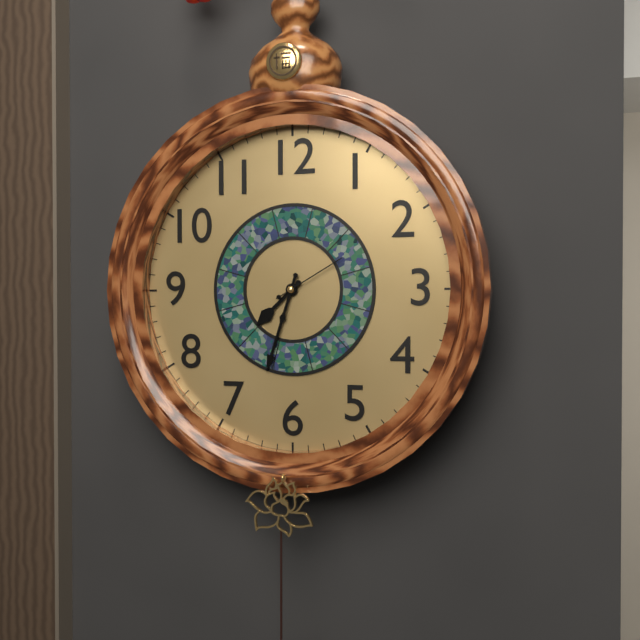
7,33,10
